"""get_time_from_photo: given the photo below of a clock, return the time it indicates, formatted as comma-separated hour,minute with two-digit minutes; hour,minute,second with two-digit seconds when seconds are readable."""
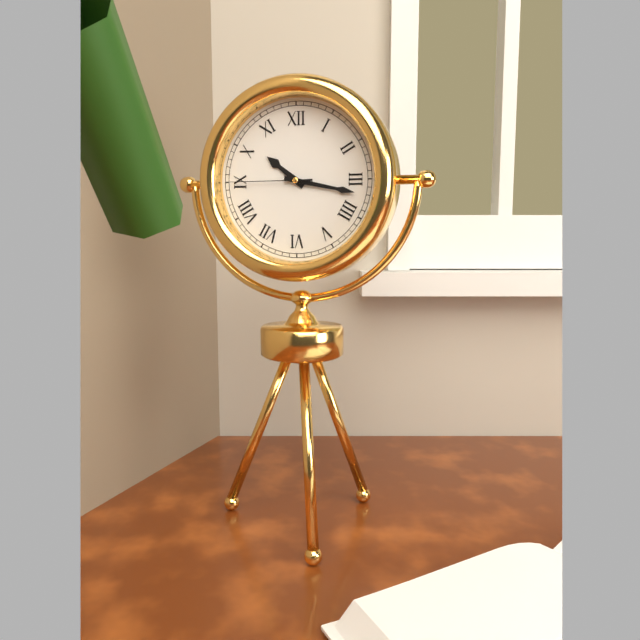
10,17,45
